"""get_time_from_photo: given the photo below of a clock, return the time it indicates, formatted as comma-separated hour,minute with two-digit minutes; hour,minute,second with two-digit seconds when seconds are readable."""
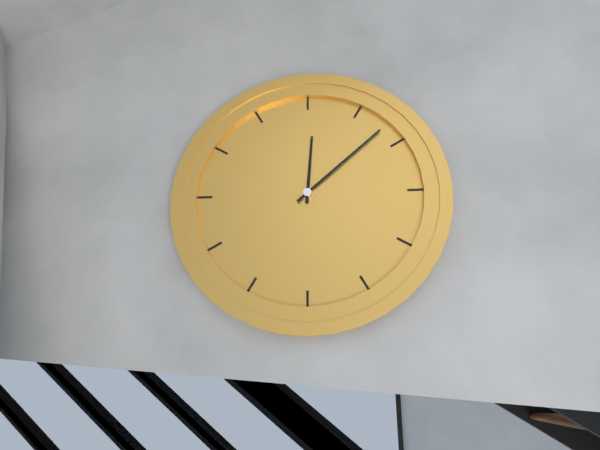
12,08
